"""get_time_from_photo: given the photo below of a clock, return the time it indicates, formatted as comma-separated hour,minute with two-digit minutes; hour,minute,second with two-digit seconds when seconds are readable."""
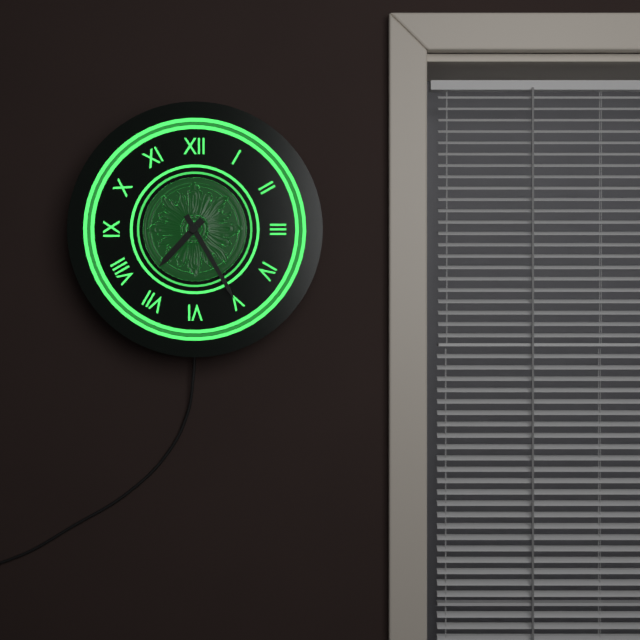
7,25
